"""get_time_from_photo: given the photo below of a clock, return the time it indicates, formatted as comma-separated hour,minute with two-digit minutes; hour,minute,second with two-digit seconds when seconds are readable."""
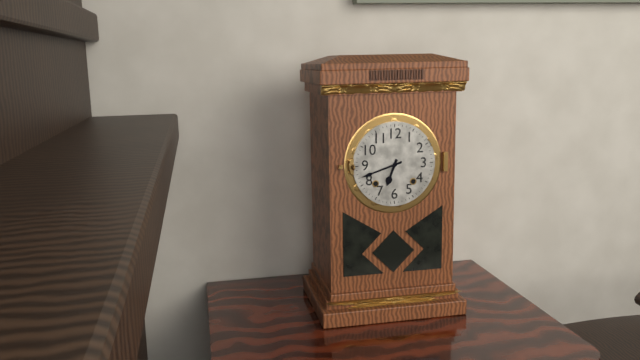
6,42
